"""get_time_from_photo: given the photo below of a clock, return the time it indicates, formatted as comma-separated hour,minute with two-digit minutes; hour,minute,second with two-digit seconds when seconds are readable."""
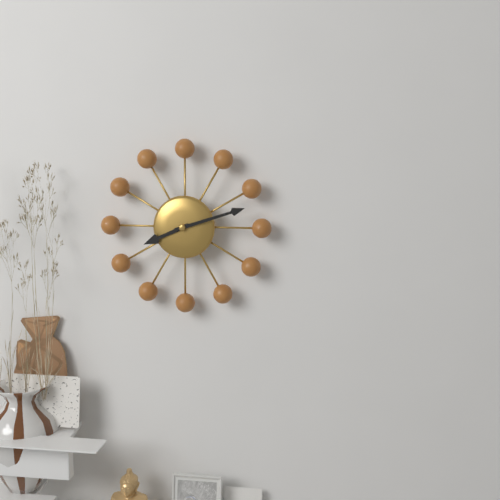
8,12
